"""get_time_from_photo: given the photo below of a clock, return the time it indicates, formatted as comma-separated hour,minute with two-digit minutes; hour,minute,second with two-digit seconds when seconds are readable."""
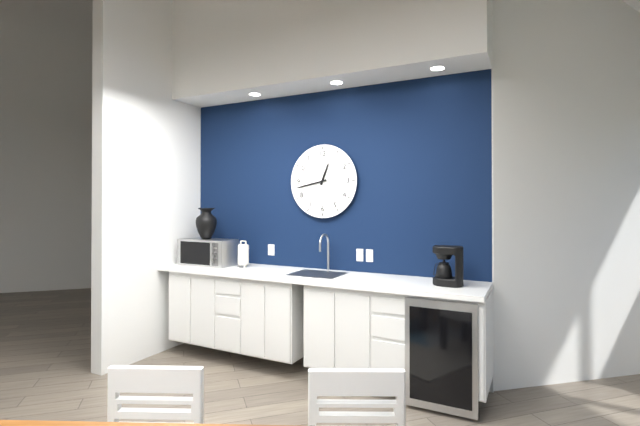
12,43
